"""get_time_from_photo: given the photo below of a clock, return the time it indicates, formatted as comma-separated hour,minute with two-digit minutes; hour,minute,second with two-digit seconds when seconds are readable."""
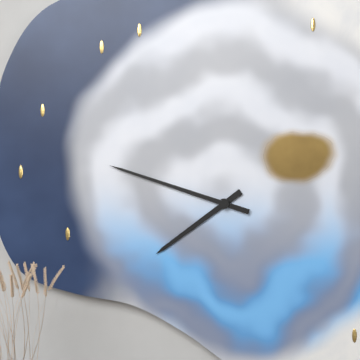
7,48
